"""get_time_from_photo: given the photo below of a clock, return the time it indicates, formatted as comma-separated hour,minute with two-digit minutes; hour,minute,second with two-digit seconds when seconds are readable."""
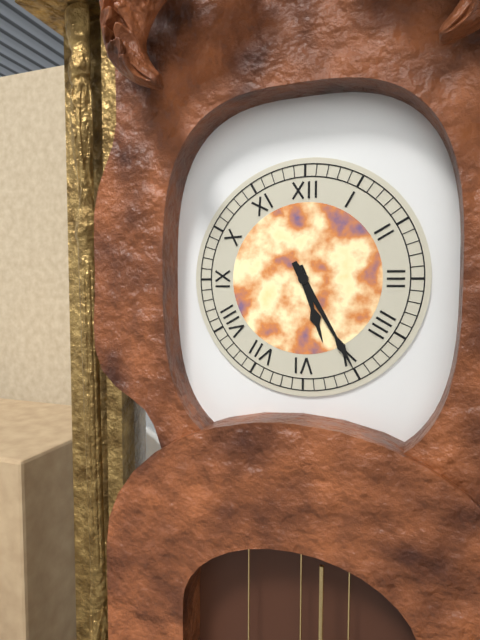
5,25
